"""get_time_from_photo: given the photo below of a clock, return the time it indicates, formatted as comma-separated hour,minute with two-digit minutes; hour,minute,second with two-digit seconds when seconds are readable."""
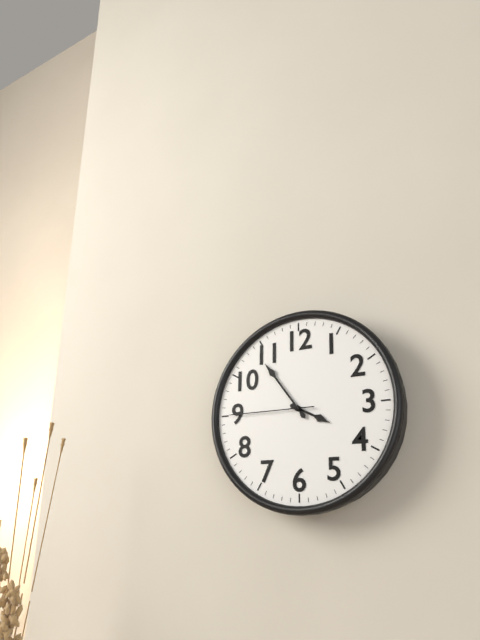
3,54,45
